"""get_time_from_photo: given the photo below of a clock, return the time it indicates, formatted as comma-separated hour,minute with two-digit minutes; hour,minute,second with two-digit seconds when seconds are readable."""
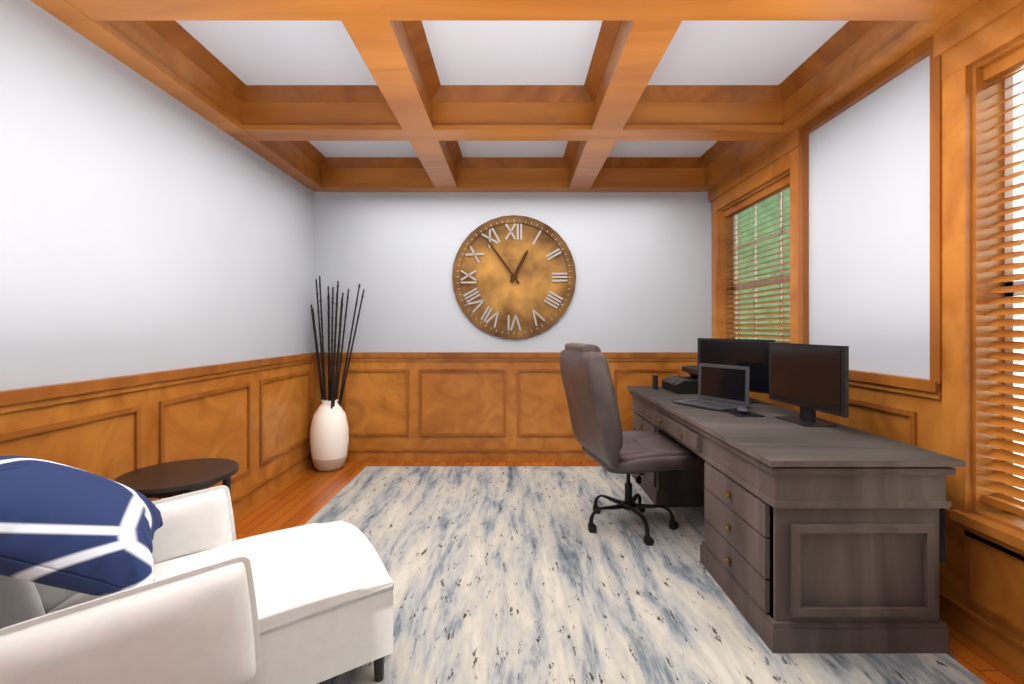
12,54
